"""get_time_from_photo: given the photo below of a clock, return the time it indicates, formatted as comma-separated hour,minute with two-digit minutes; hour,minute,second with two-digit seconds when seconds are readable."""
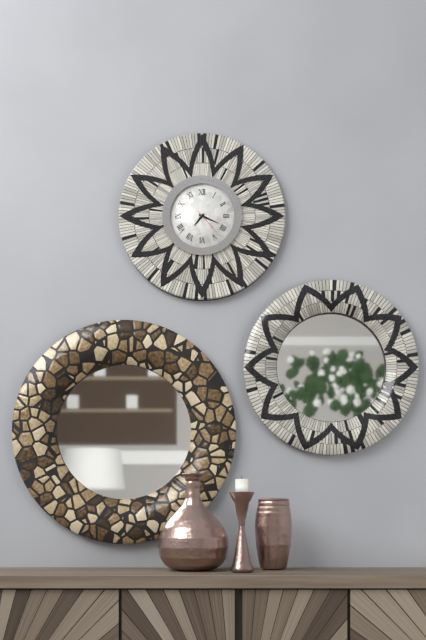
7,19
